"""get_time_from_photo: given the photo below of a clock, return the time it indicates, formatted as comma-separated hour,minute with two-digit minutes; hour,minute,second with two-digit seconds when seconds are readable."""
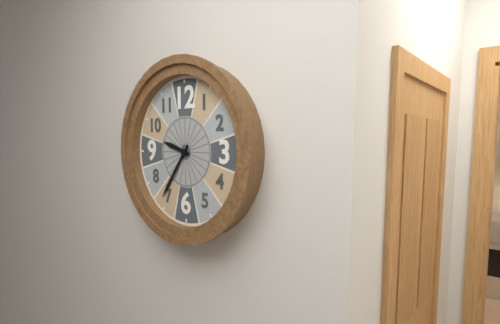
9,36
